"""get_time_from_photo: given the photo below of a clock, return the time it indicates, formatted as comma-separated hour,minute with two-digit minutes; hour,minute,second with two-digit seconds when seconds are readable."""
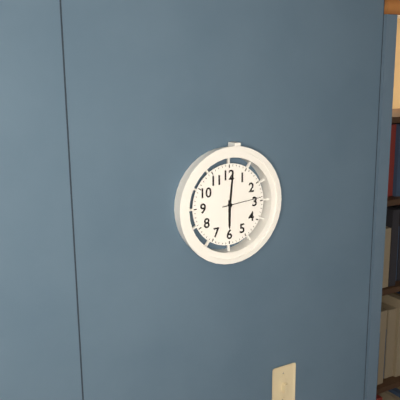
6,01
